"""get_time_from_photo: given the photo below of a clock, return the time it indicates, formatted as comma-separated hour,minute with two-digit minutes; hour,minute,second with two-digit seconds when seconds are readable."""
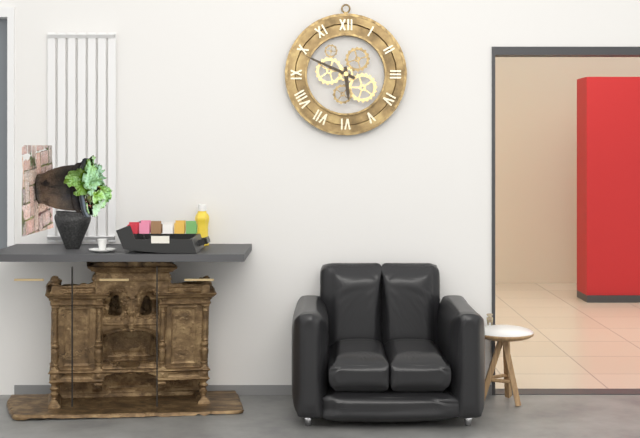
5,49
